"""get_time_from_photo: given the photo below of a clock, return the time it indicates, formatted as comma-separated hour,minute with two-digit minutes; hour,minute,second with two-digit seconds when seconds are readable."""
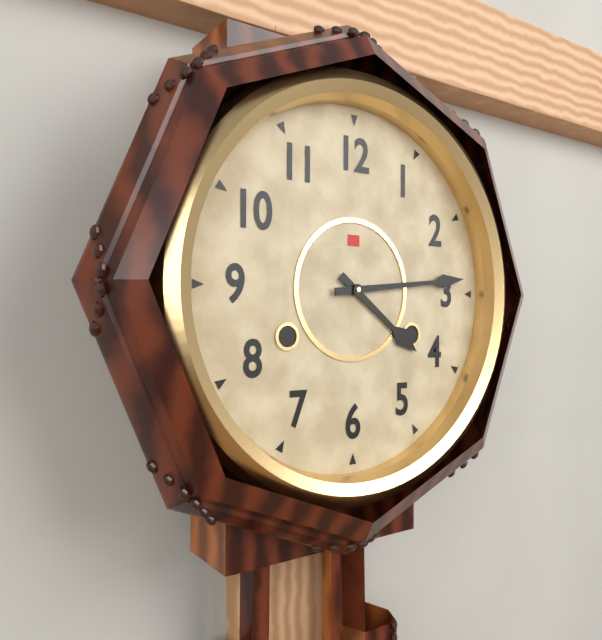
4,14
